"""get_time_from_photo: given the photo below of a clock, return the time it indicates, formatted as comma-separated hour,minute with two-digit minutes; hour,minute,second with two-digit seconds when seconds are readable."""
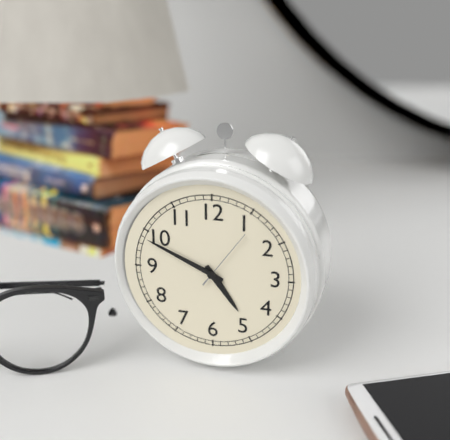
4,49,06
